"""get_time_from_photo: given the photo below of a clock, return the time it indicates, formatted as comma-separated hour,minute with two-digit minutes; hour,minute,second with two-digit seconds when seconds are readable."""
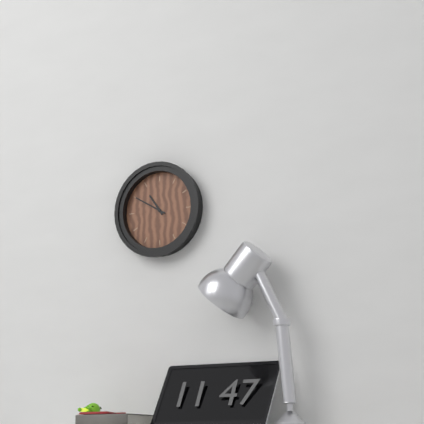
10,50
